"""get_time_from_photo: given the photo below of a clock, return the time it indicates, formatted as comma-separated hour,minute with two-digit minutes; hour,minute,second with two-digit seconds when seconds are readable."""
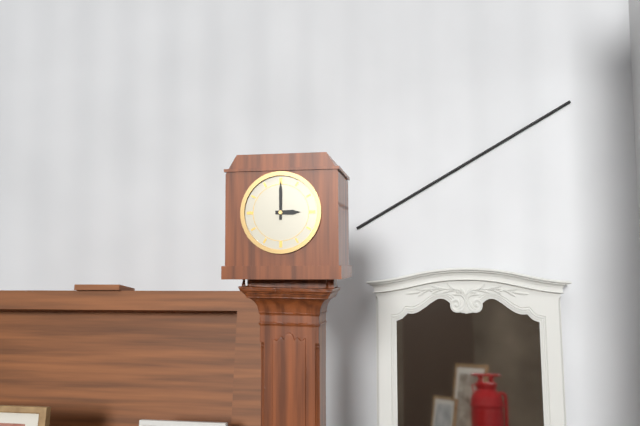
3,00
